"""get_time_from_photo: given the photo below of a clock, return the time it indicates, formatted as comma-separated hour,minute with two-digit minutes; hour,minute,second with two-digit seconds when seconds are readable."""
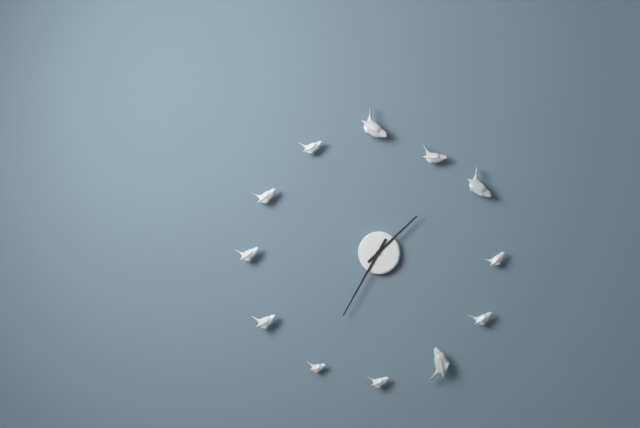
1,35
